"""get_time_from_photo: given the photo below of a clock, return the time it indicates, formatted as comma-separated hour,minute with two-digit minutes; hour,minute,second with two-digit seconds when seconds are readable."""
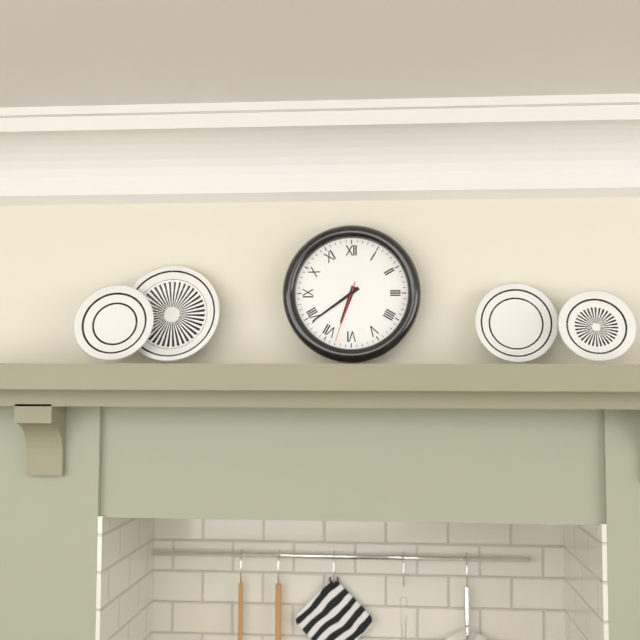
6,39,33
